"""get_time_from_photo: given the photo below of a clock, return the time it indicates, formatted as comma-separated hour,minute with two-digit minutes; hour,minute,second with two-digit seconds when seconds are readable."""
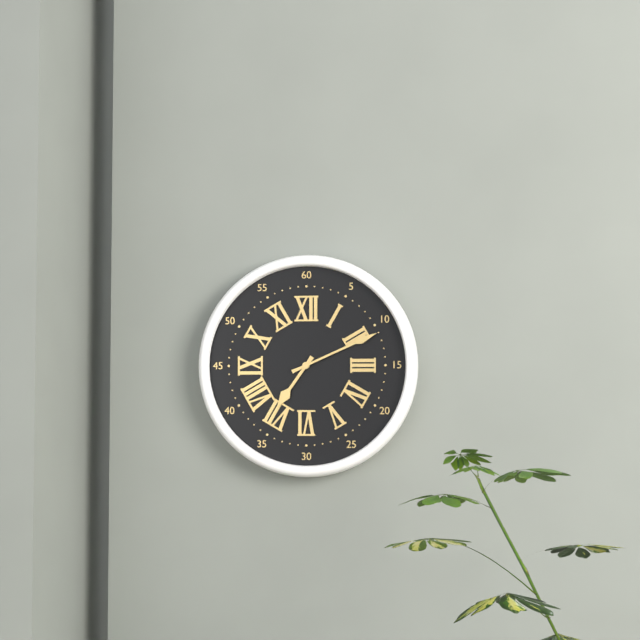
7,11
